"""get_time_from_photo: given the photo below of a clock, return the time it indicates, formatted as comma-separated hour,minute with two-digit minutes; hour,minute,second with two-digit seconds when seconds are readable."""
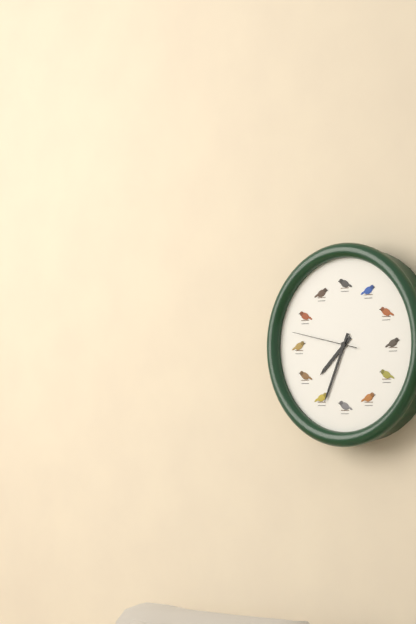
7,34,47
